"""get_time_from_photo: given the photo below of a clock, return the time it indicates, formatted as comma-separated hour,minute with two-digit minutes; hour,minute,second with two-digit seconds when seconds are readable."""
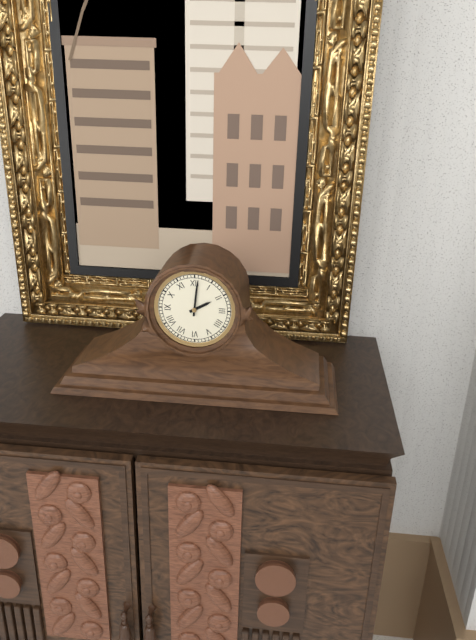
2,01
